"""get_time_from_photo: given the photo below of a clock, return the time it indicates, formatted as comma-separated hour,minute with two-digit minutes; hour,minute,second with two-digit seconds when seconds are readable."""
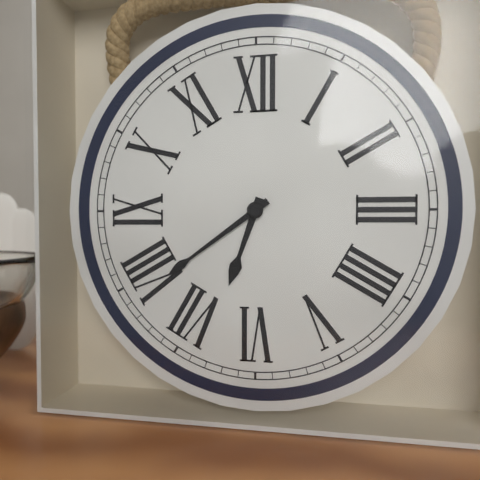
6,39
